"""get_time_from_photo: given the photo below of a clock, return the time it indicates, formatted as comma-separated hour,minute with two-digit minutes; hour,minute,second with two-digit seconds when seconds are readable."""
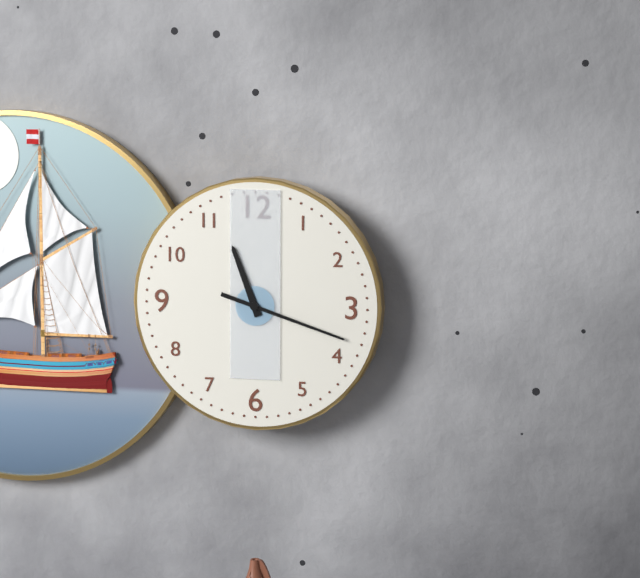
11,18
